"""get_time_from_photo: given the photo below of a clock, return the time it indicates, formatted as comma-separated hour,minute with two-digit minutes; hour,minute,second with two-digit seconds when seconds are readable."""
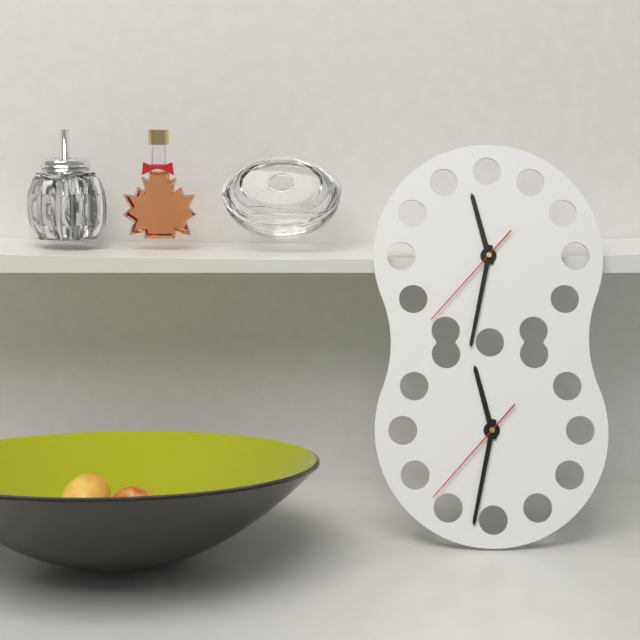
11,32,37
